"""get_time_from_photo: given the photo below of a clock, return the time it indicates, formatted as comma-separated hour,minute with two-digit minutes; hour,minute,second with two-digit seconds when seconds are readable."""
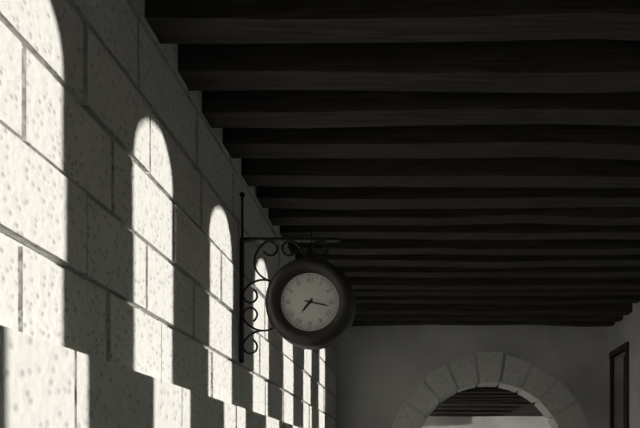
7,17
